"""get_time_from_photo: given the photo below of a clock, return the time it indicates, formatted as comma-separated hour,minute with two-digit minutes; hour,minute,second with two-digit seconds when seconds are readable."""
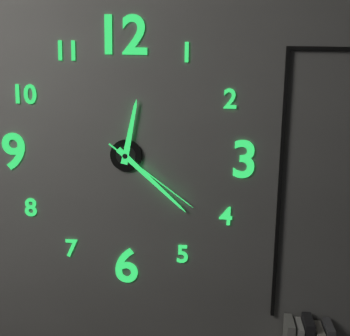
12,22,21
